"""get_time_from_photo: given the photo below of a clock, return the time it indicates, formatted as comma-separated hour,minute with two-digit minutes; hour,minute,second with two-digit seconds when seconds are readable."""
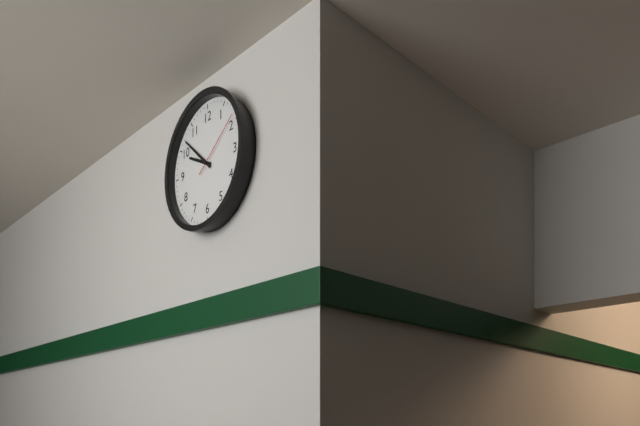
9,52,09
